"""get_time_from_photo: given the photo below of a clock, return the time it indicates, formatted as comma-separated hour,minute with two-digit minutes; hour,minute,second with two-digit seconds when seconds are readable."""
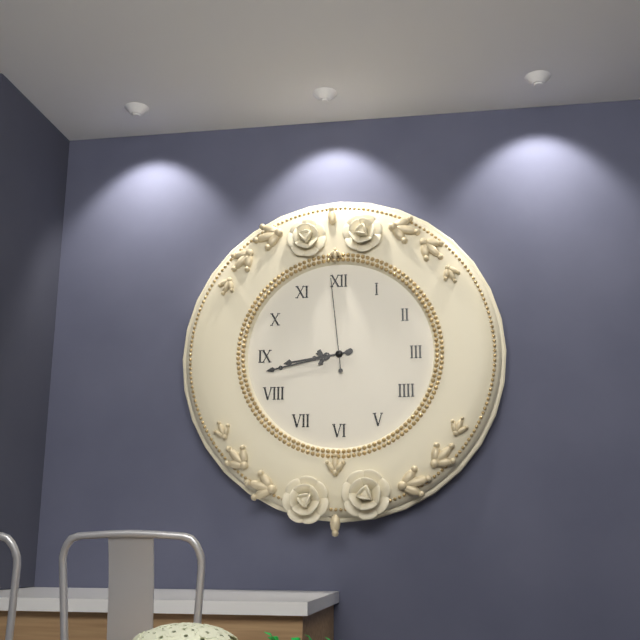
8,43,59
